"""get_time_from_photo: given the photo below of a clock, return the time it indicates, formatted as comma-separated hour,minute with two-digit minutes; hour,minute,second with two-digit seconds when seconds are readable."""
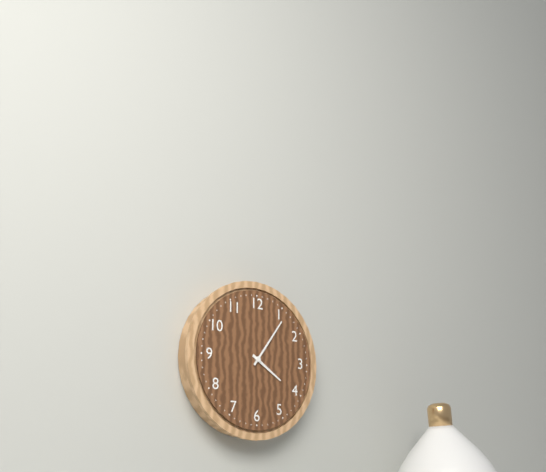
4,06
